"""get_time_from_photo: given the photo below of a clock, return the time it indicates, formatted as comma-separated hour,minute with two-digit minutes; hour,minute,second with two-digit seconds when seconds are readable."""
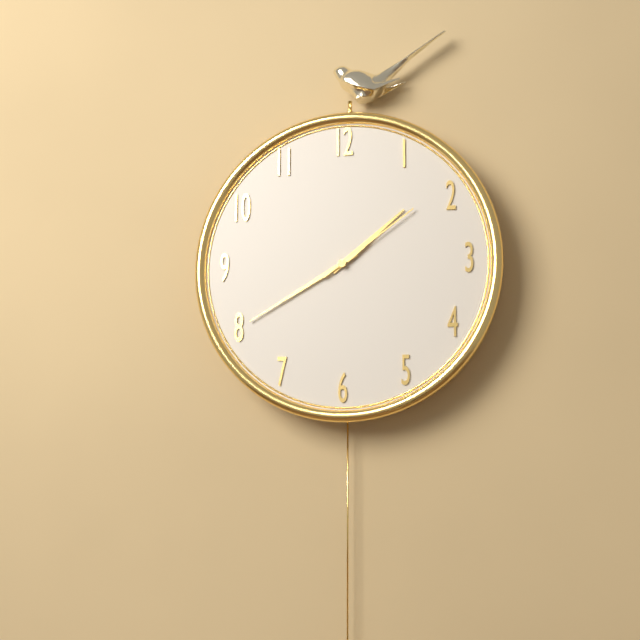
1,40,09
